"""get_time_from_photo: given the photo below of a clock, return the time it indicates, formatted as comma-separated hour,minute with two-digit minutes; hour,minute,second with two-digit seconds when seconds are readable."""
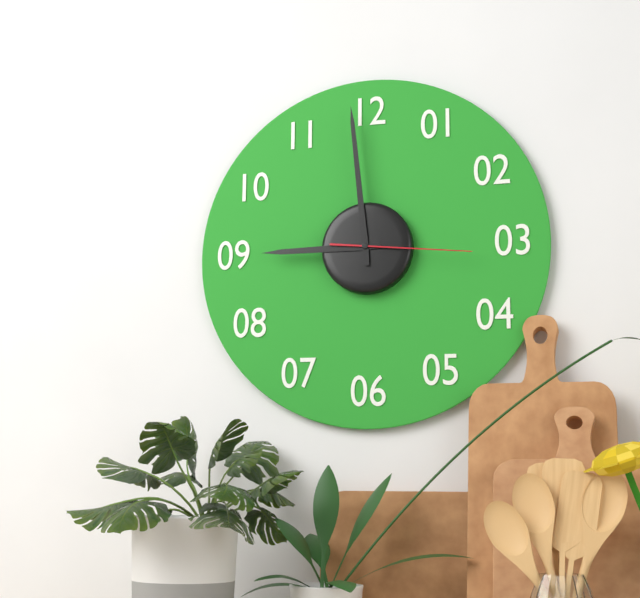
8,59,16
